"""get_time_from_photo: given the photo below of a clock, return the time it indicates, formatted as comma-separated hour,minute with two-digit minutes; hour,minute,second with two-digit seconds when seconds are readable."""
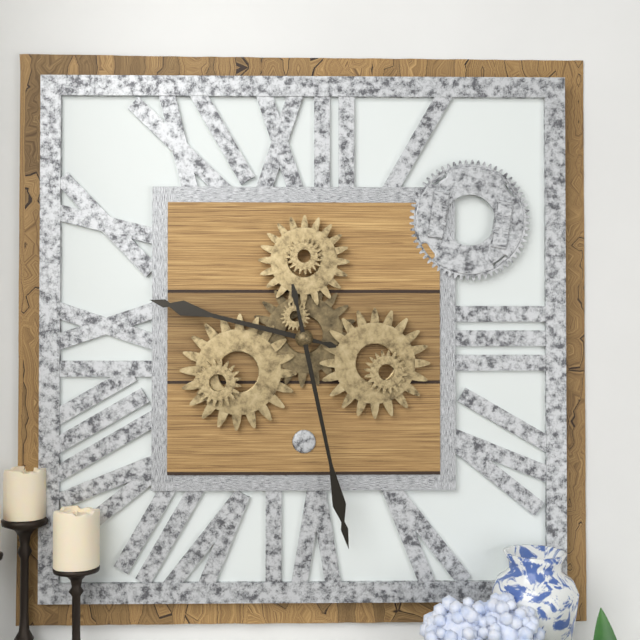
9,28
